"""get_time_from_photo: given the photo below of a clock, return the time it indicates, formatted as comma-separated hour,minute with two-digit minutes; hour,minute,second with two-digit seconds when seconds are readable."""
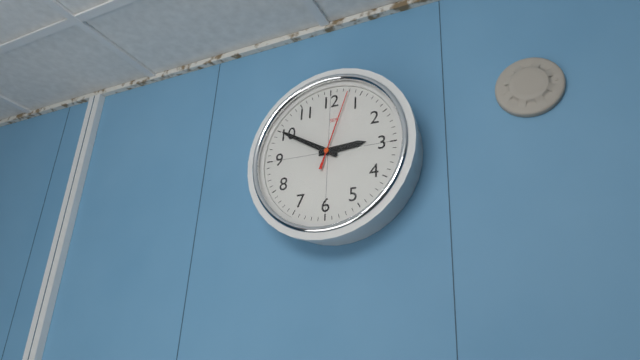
2,50,03
